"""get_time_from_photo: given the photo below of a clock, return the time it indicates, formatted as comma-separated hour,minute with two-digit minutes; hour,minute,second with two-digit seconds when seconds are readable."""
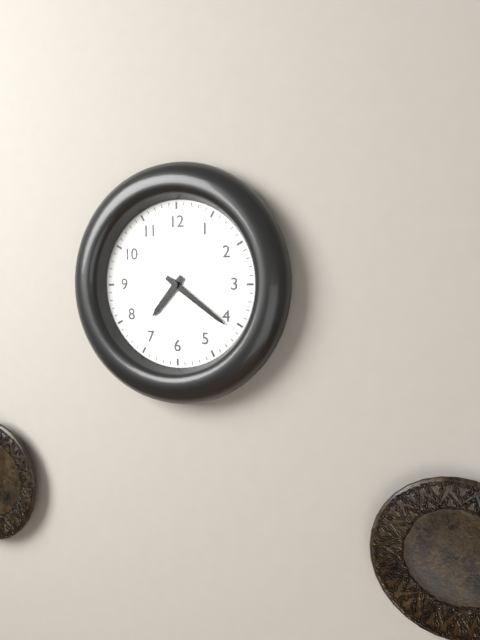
7,21
